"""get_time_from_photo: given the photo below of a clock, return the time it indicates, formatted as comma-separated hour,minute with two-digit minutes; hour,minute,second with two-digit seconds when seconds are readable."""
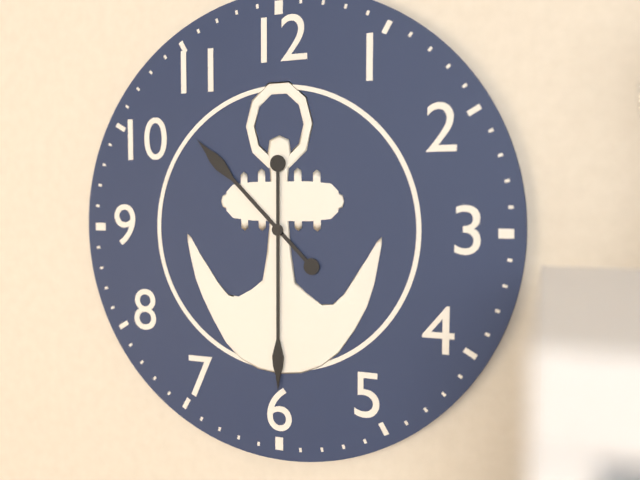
10,30
